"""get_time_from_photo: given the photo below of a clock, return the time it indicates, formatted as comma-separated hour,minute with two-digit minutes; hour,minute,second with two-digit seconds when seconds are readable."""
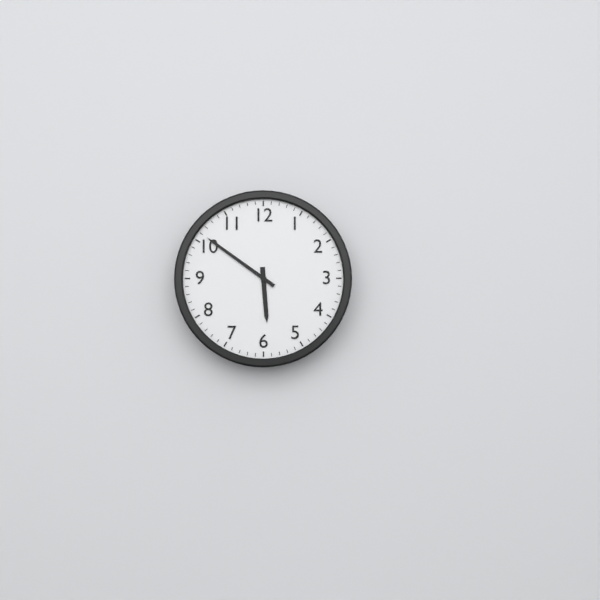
5,51
